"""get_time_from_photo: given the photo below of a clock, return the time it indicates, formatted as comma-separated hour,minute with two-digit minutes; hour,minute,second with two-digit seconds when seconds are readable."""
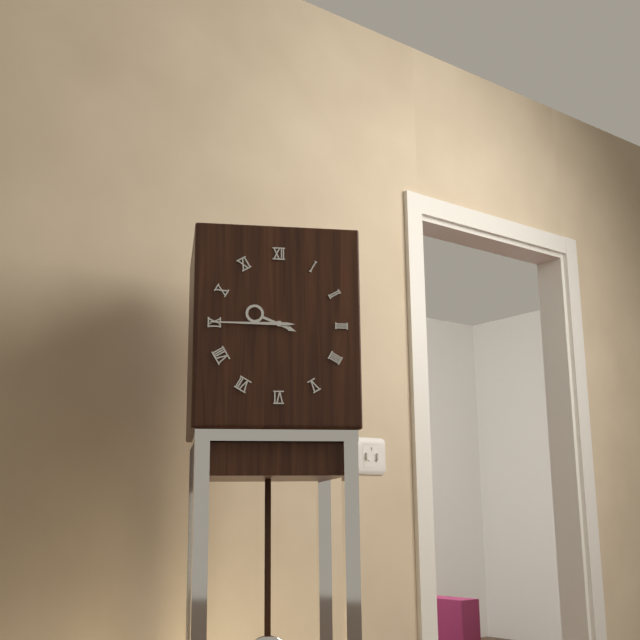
9,45
